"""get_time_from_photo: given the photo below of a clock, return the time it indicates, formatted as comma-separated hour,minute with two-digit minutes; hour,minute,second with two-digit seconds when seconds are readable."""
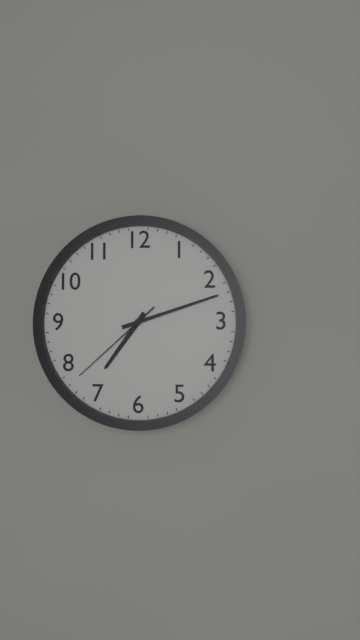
7,12,38
